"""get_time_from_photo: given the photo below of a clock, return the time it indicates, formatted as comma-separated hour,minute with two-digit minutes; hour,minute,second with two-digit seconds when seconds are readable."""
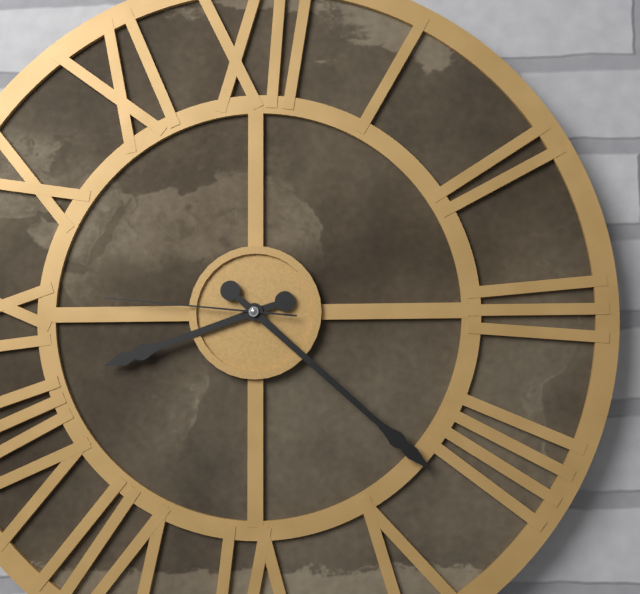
8,22,46
